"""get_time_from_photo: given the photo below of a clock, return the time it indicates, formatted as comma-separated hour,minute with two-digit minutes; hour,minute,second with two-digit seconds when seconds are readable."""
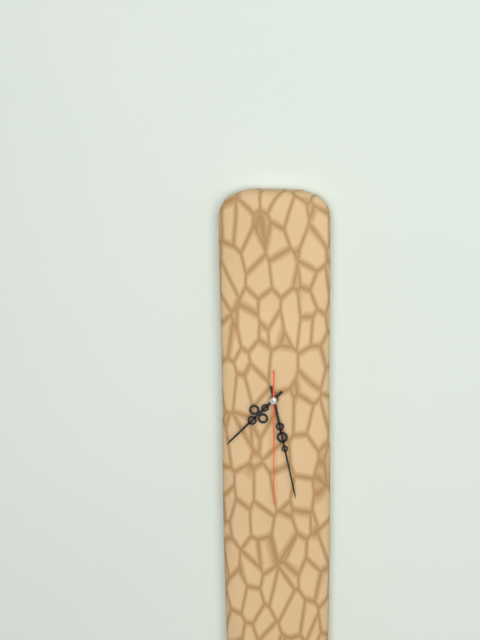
7,28,30
